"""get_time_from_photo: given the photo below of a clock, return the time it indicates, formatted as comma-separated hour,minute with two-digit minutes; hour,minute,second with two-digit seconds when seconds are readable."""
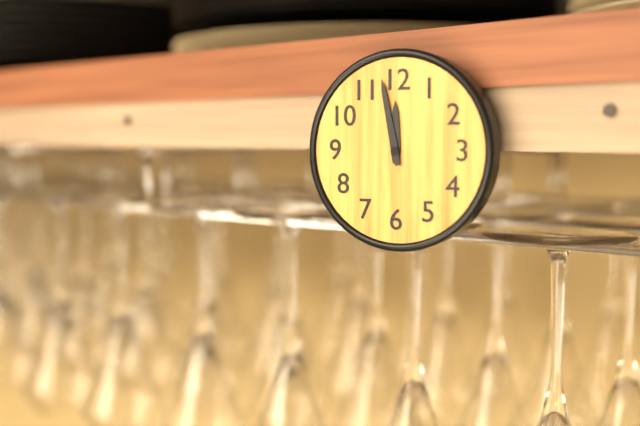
11,58
